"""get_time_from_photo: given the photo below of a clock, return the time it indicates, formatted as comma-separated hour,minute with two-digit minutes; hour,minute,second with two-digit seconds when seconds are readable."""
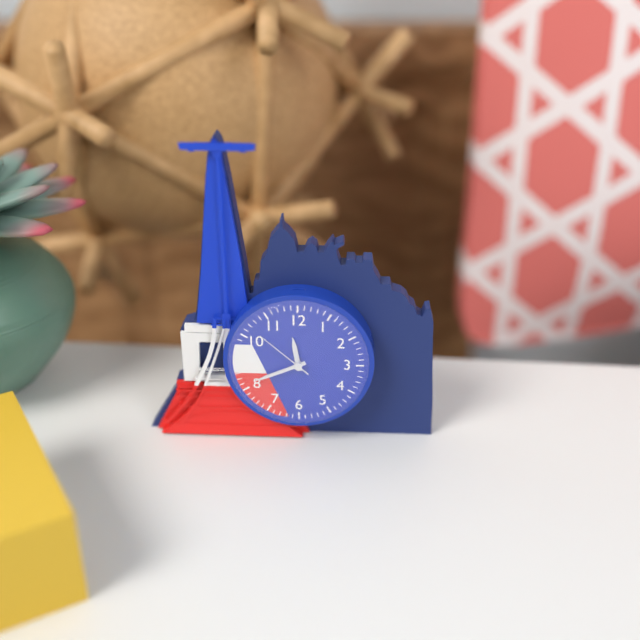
11,41,52
